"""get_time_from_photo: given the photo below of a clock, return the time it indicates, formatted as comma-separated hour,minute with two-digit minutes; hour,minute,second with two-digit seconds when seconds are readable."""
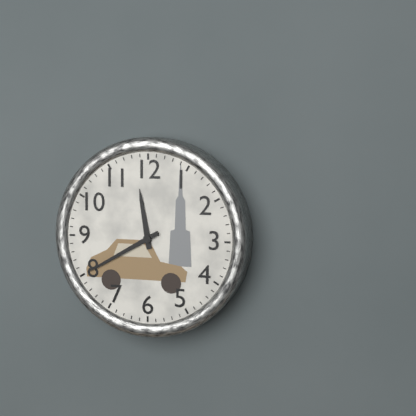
11,40
